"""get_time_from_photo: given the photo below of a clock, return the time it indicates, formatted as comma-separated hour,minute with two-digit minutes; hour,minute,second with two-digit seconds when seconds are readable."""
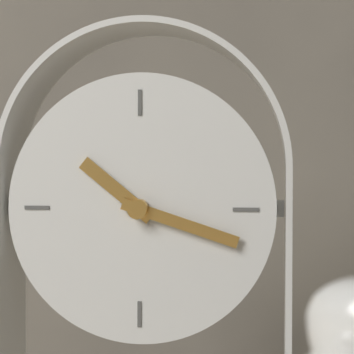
10,18
